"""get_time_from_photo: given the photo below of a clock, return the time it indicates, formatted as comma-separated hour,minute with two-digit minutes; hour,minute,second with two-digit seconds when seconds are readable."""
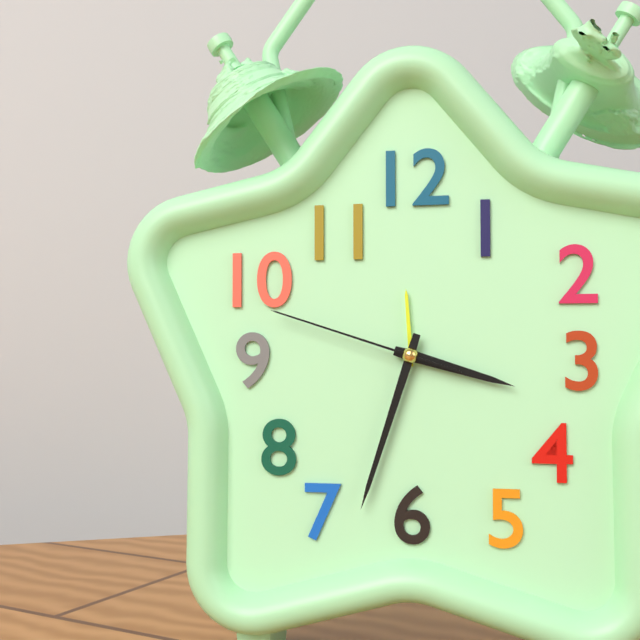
3,33,48
